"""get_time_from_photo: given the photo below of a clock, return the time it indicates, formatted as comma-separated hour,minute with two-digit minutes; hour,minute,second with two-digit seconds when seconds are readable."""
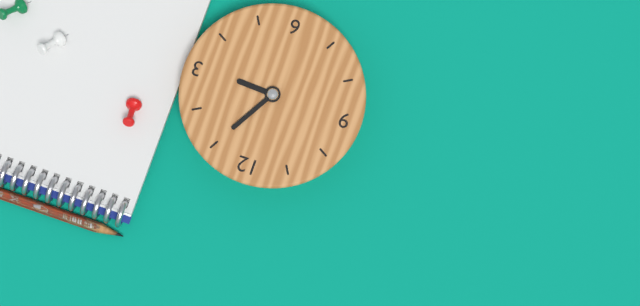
3,05
